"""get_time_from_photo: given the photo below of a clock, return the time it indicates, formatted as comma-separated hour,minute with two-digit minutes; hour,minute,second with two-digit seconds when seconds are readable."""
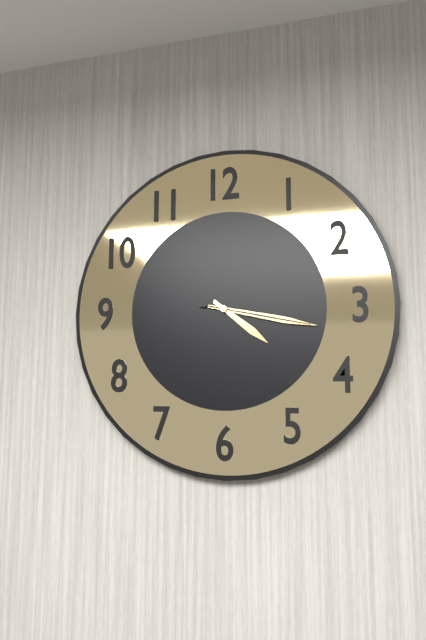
4,17,17
